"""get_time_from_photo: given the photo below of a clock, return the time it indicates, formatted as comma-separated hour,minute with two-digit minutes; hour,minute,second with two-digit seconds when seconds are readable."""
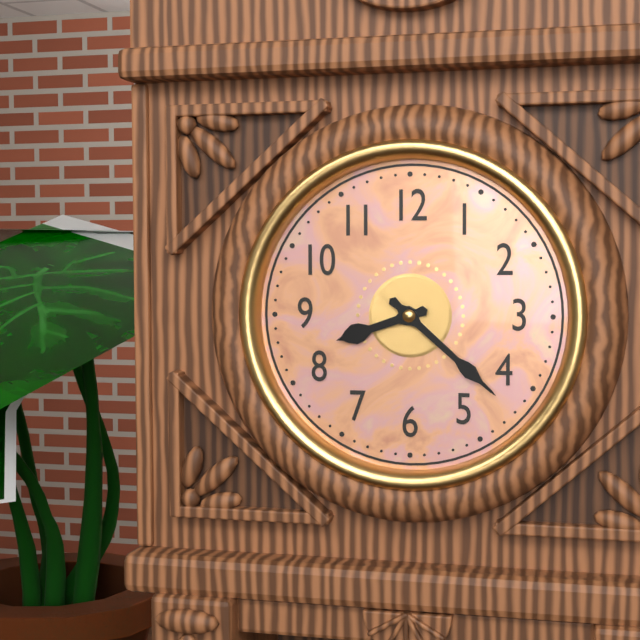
8,22
